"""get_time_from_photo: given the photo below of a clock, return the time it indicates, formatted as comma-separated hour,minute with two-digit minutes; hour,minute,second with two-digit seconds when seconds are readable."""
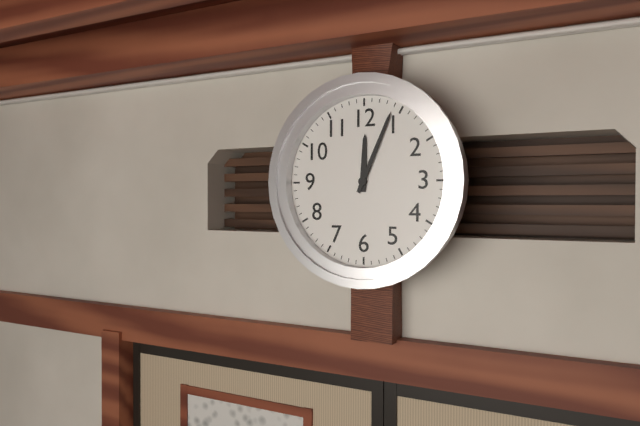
12,04
